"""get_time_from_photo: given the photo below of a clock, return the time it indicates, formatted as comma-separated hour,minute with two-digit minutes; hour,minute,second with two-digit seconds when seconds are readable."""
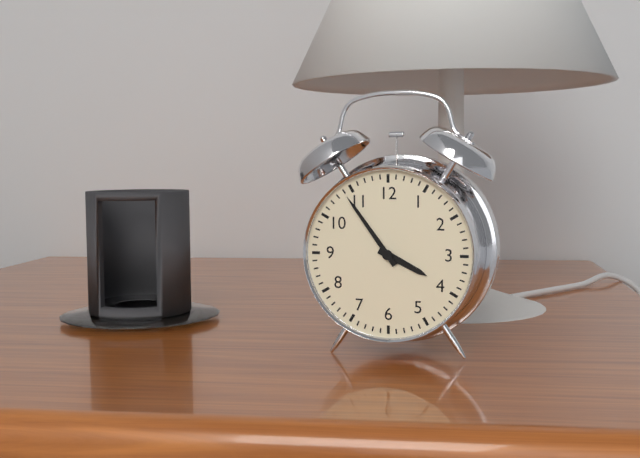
3,54
